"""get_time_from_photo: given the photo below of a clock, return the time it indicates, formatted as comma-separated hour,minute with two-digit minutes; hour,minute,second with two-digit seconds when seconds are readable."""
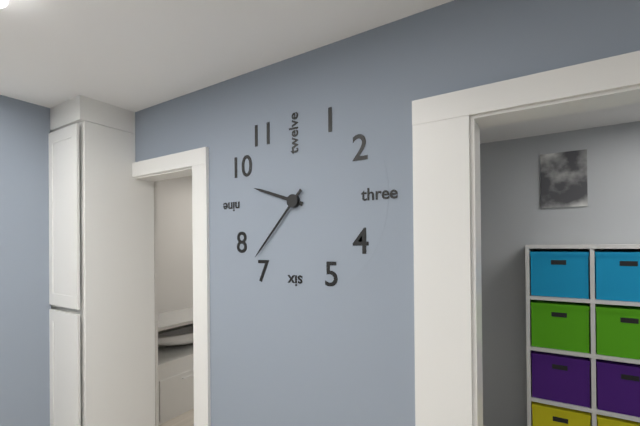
9,37
